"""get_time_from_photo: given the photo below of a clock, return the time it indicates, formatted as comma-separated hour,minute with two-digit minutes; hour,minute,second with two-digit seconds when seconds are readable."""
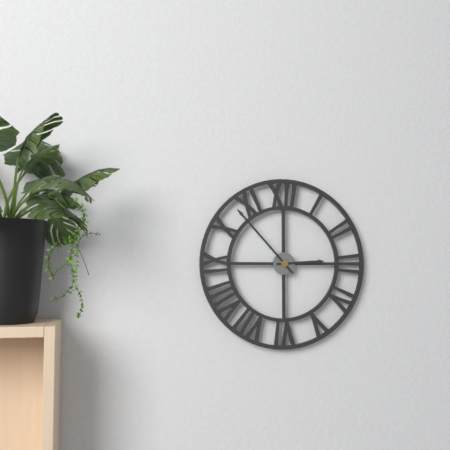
2,53
